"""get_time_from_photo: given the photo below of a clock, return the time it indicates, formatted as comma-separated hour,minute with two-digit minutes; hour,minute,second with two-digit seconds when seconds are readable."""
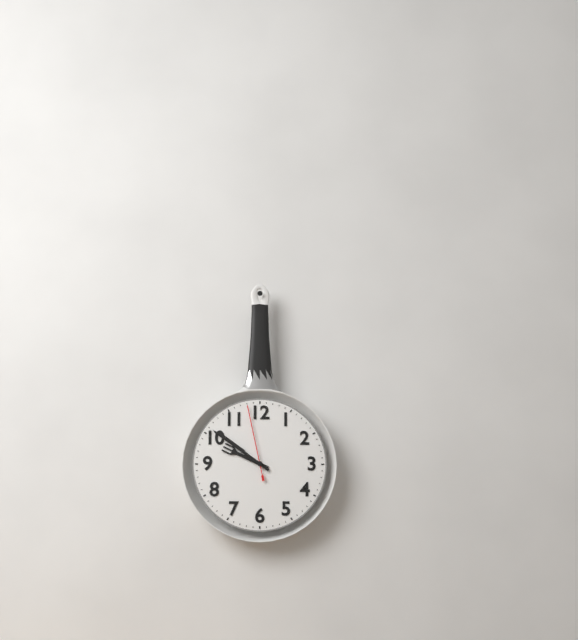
9,51,58
